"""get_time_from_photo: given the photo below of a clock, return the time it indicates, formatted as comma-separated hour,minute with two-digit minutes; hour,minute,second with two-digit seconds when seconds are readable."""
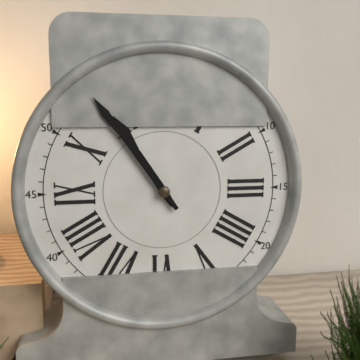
10,54
